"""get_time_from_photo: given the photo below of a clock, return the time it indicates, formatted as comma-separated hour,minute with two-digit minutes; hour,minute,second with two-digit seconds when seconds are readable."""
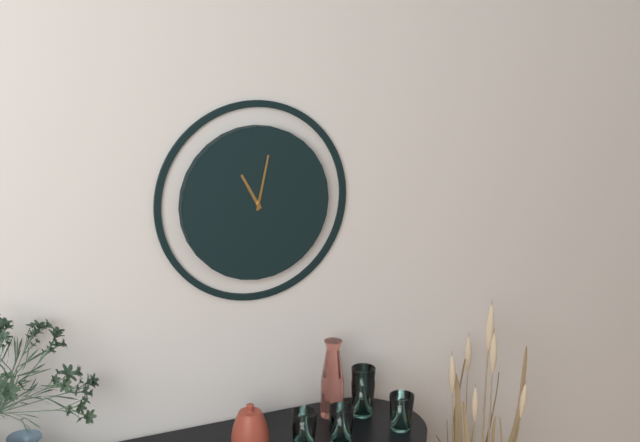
11,02
